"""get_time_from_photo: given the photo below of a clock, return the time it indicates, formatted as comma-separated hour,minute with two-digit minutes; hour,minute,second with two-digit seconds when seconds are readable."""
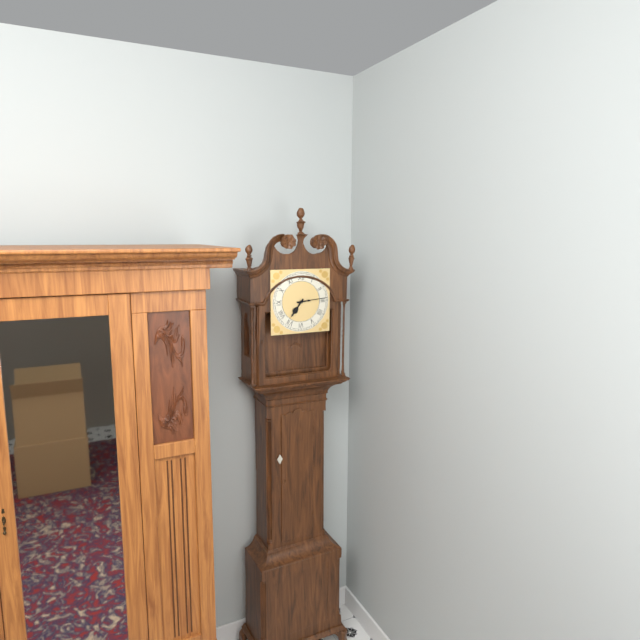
7,14
